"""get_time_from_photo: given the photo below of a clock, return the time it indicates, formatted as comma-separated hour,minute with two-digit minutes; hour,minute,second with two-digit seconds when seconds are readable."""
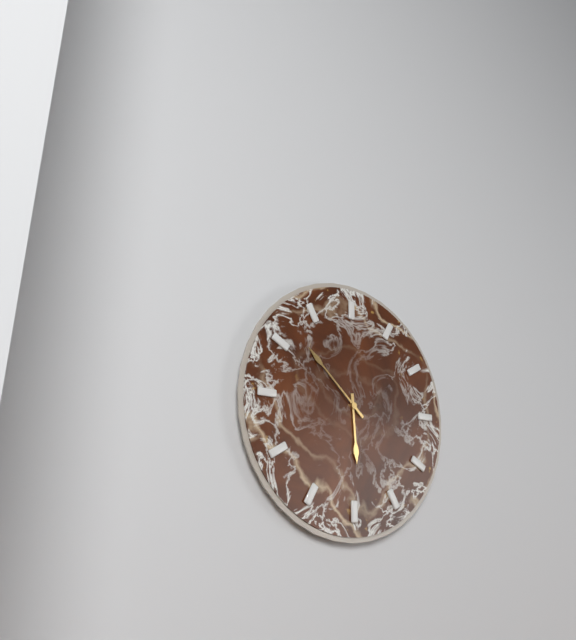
5,52
